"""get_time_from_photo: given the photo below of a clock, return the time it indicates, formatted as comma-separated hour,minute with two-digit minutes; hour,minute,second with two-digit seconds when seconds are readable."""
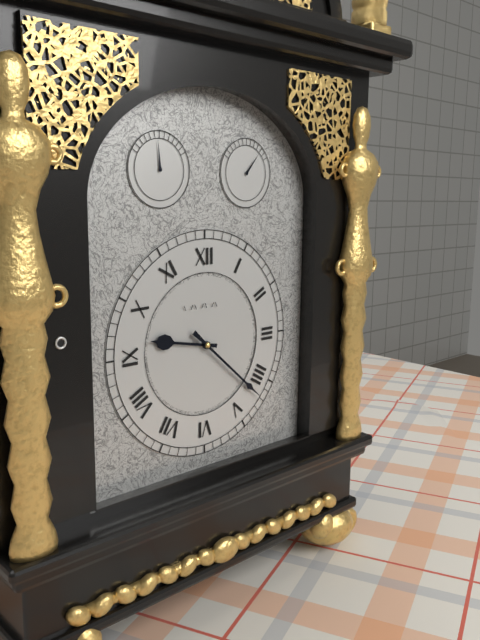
9,22
